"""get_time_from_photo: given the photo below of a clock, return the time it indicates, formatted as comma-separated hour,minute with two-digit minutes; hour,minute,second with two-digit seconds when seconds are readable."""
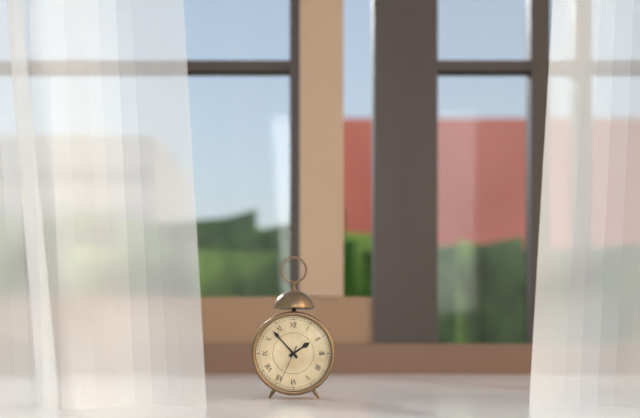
1,53
